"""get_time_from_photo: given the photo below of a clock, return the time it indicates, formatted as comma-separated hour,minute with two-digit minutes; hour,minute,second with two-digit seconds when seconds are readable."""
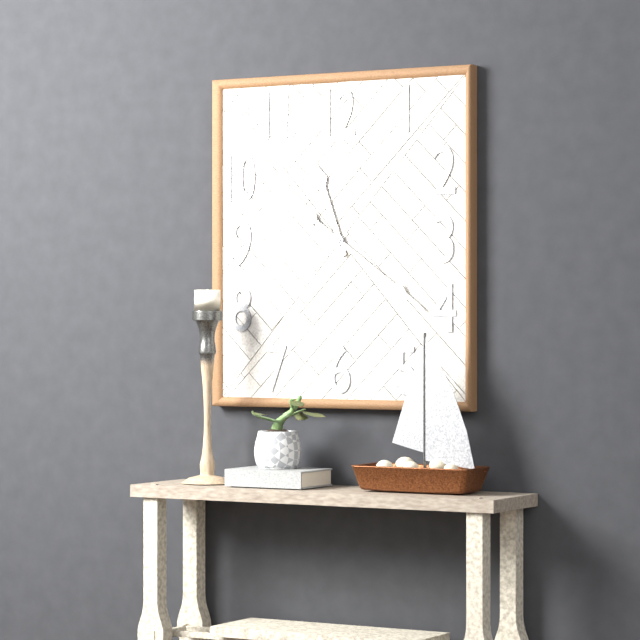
11,21
